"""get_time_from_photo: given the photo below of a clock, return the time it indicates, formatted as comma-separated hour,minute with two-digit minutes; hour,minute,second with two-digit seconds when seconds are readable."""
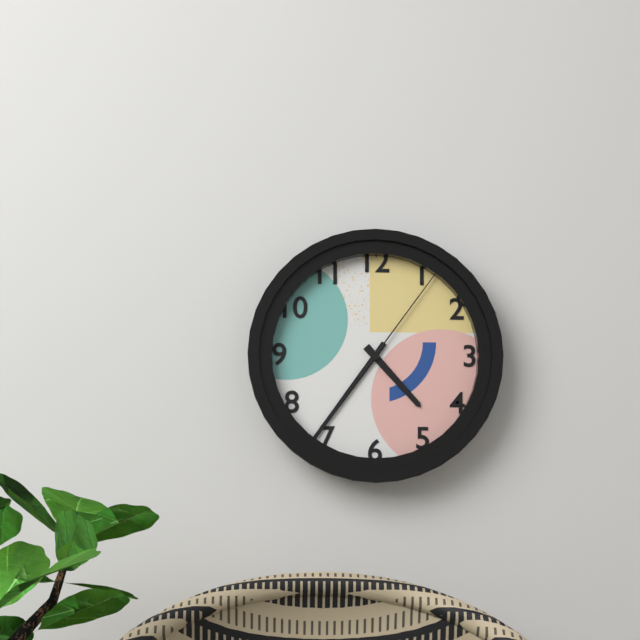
4,36,06
